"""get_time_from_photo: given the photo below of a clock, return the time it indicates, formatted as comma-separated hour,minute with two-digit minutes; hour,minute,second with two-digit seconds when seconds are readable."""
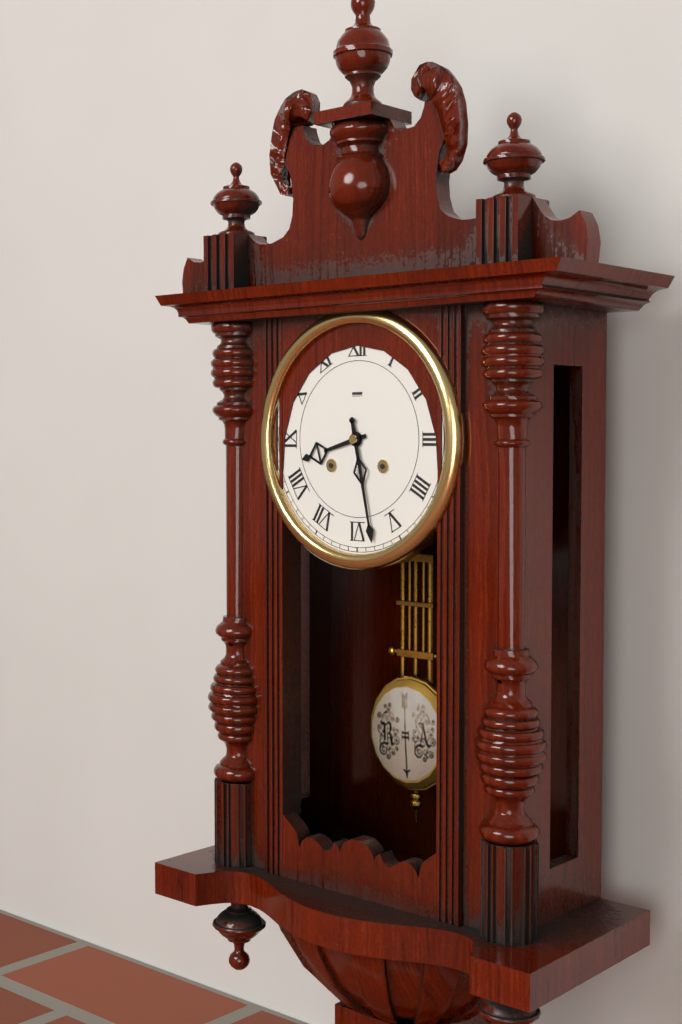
8,28
